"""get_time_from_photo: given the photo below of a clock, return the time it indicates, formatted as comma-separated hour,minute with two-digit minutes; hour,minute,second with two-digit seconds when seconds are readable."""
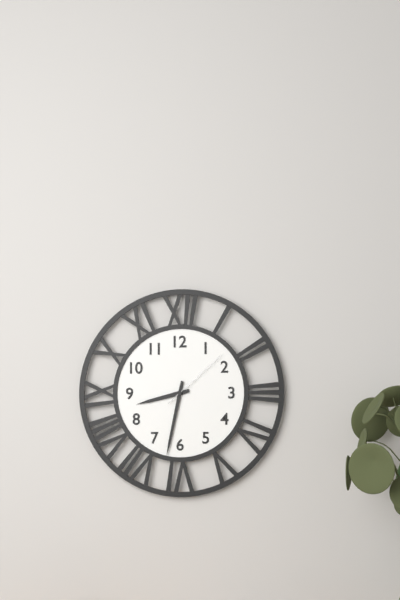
8,32,08
